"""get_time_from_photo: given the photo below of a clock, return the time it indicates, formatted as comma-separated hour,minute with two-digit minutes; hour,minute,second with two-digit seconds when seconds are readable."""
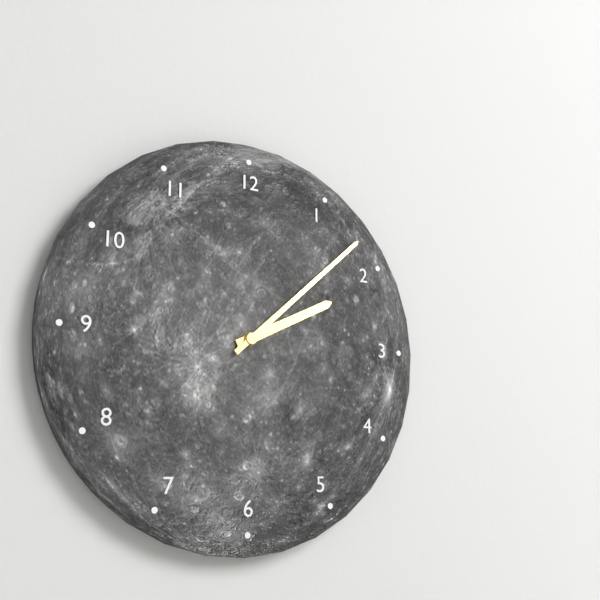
2,08
